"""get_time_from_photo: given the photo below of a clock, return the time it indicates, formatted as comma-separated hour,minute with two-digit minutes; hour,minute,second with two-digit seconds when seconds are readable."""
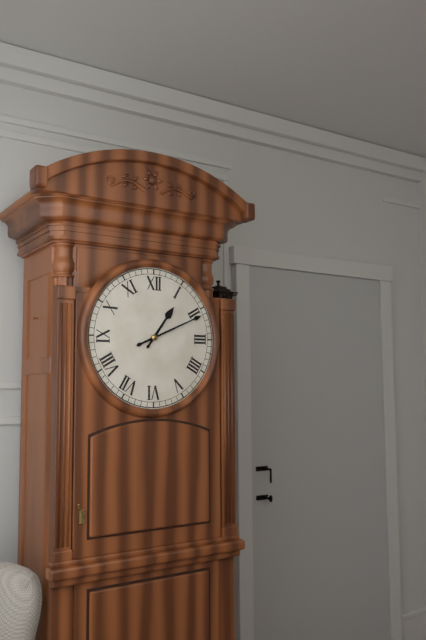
1,11
